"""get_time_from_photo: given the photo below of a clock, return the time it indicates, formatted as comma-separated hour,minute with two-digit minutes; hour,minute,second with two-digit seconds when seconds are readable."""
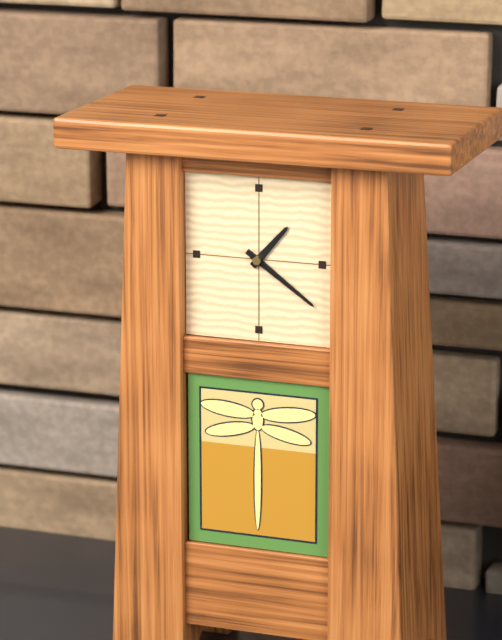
1,21
